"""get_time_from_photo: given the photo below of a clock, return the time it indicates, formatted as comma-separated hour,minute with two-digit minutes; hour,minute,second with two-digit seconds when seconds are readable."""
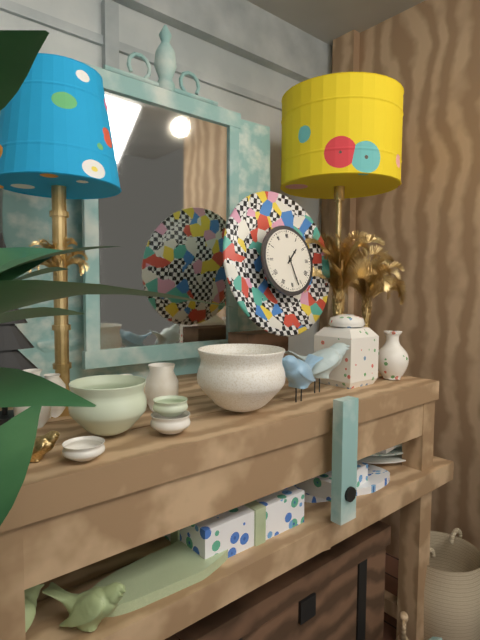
1,27
